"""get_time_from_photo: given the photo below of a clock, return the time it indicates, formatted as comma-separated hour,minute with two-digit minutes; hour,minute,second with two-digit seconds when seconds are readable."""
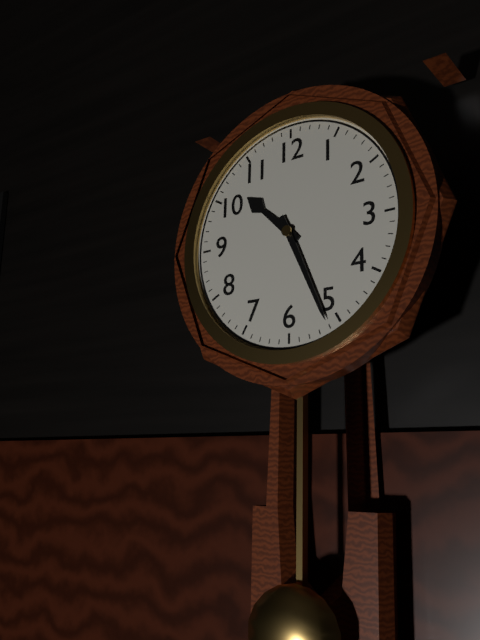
10,26
